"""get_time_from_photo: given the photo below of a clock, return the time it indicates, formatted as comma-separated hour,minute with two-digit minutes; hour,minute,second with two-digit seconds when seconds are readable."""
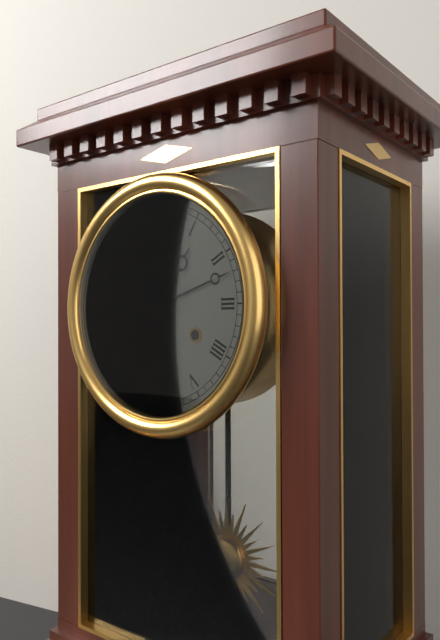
1,12
